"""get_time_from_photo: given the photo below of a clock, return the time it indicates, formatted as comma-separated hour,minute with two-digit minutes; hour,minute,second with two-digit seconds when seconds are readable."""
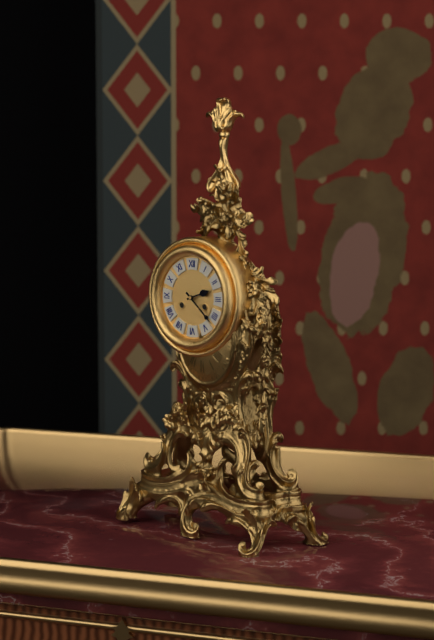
2,22
